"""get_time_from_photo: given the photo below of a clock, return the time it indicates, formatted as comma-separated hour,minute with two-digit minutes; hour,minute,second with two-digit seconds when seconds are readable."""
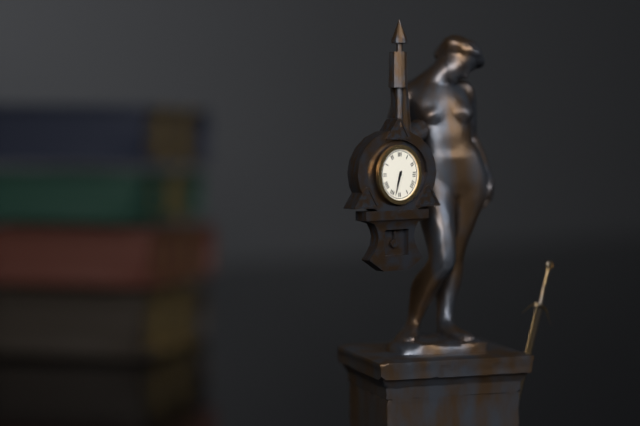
6,33
